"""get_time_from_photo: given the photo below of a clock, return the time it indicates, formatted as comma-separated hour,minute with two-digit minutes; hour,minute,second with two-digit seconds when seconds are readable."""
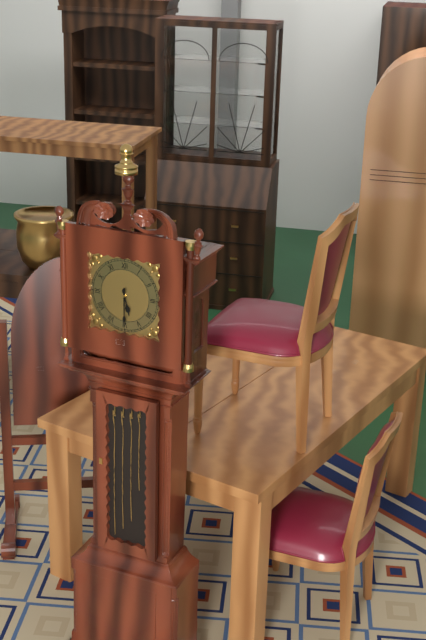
5,30
